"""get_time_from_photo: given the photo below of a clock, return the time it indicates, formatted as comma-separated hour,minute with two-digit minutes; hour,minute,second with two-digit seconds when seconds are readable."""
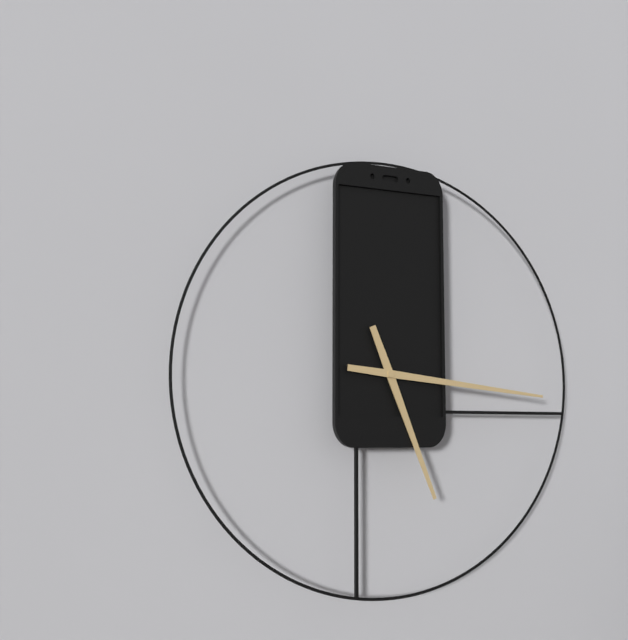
5,16
